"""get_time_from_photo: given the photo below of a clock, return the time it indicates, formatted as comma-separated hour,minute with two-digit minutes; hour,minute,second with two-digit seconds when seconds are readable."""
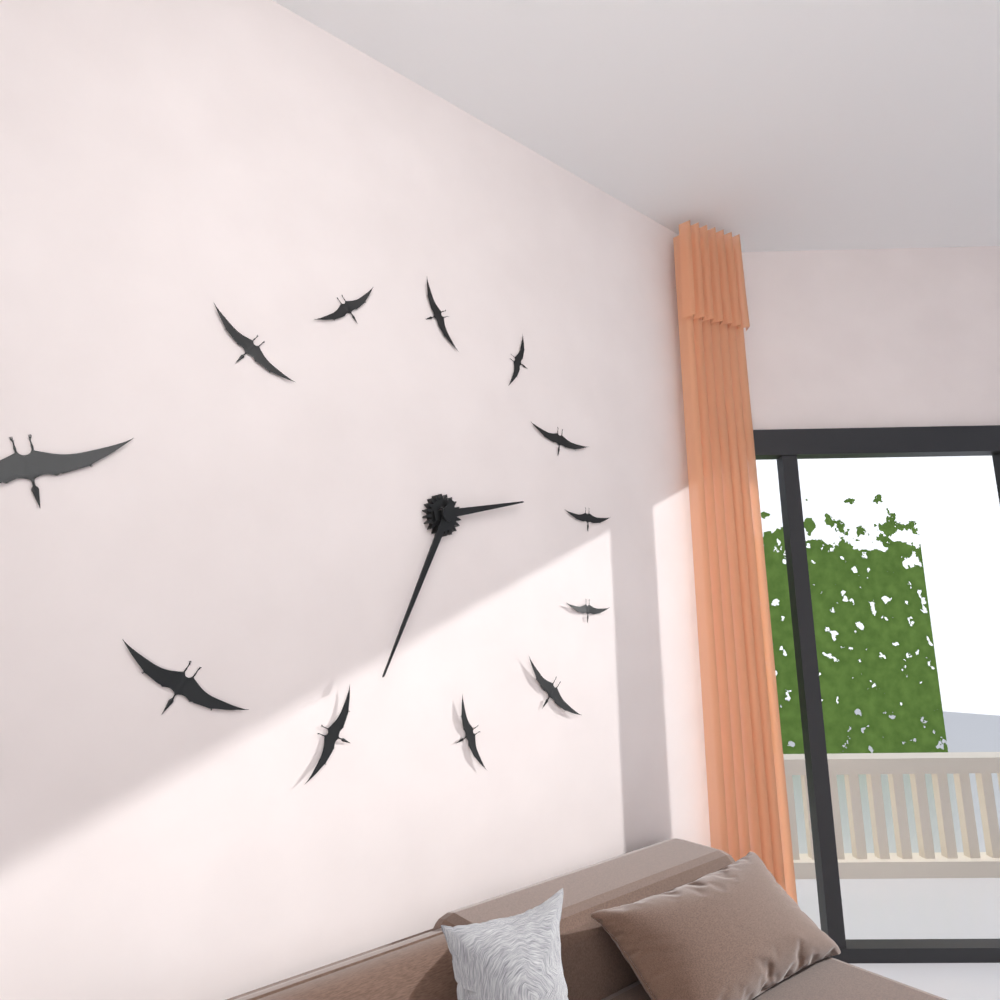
2,34
